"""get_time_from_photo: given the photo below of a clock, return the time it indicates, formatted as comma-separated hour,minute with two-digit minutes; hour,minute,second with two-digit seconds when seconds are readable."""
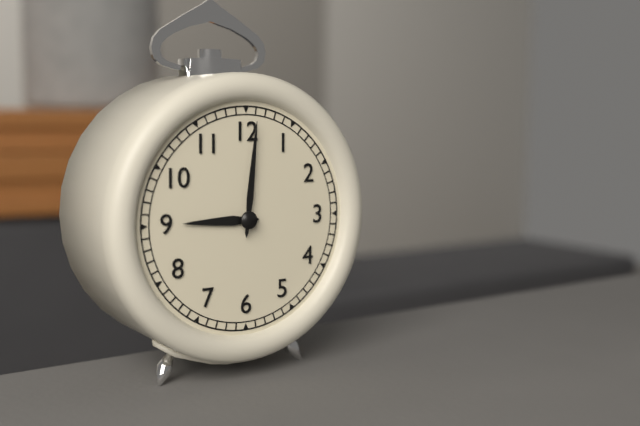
9,01
